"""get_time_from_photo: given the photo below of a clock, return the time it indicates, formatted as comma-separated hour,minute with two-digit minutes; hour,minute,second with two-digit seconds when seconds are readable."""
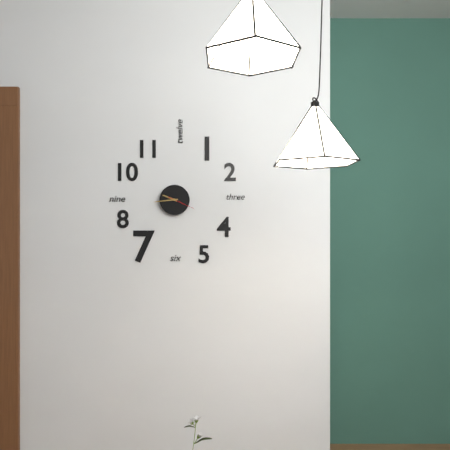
9,44
